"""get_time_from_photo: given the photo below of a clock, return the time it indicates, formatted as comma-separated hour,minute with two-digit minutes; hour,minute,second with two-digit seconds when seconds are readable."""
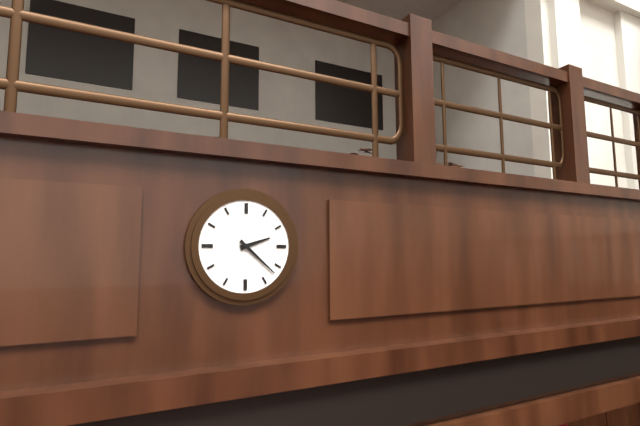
2,22
